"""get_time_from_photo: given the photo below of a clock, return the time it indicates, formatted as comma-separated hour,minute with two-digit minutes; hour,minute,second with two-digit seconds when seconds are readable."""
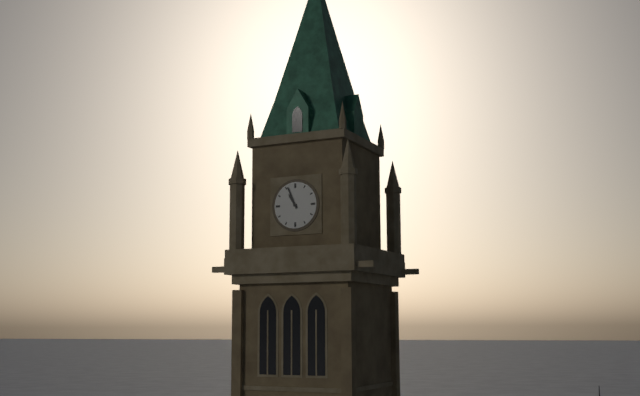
10,56
